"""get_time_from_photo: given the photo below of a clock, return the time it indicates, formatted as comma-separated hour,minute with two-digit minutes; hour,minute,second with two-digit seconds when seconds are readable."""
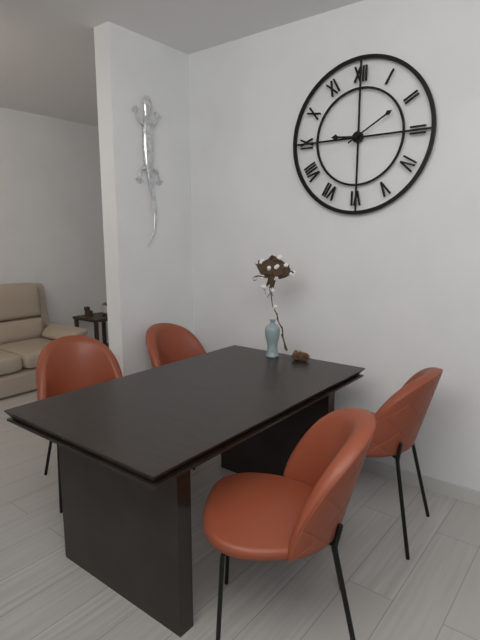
9,10
